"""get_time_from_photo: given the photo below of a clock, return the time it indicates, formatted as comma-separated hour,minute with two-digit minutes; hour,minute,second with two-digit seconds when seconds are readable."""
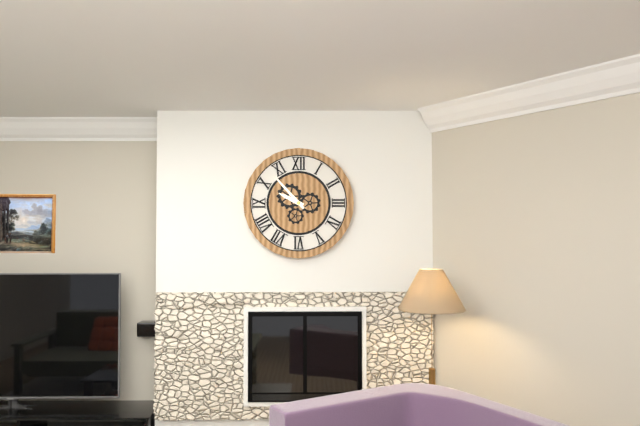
9,53
